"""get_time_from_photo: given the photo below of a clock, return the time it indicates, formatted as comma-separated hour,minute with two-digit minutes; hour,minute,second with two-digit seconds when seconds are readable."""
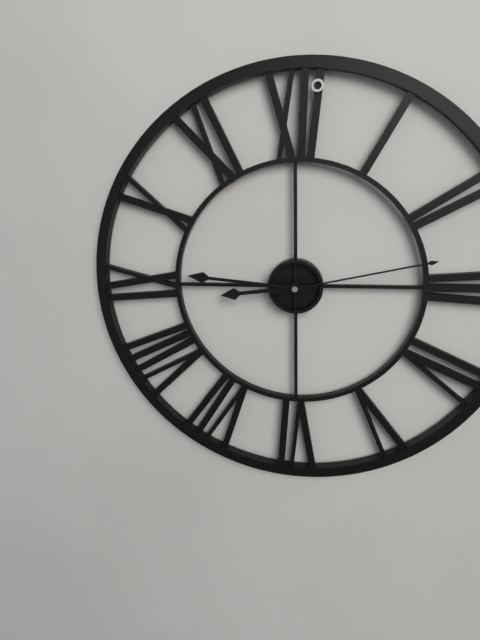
8,46,13
